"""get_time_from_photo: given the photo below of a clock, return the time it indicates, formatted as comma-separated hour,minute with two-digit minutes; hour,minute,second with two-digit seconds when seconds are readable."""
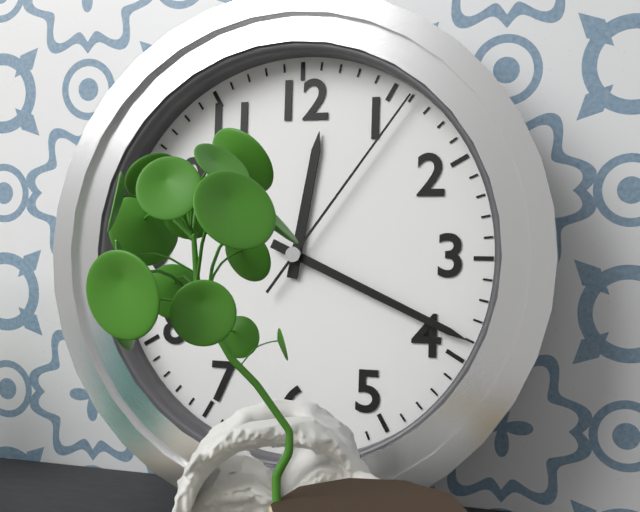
12,19,06
